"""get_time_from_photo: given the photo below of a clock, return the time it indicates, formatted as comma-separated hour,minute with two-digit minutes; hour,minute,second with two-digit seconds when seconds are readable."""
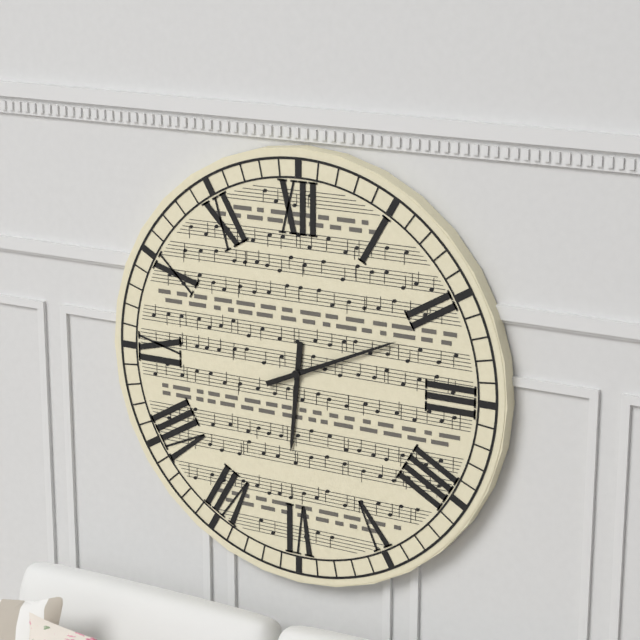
6,11
